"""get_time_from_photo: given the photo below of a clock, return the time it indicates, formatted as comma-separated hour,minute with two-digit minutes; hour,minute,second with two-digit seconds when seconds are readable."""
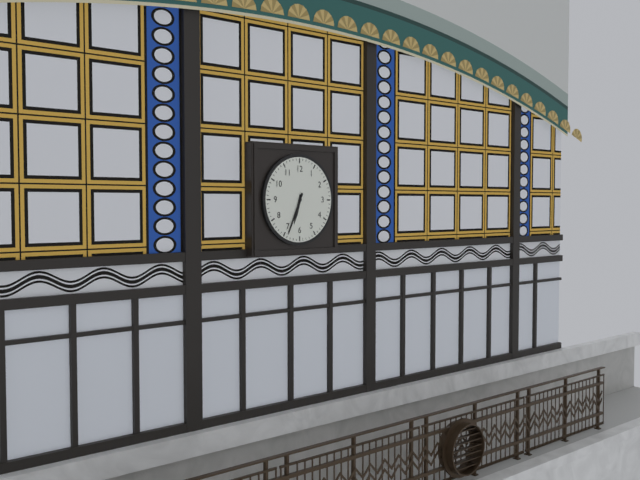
6,34
